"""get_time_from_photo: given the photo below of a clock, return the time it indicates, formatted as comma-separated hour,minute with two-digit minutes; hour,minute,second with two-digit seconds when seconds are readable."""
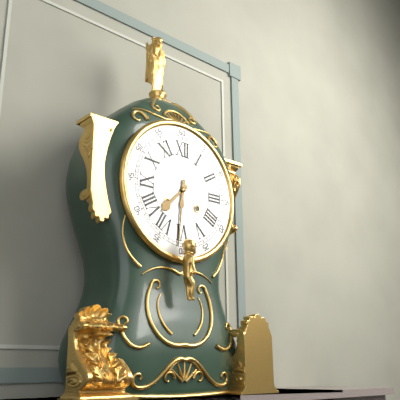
7,31
